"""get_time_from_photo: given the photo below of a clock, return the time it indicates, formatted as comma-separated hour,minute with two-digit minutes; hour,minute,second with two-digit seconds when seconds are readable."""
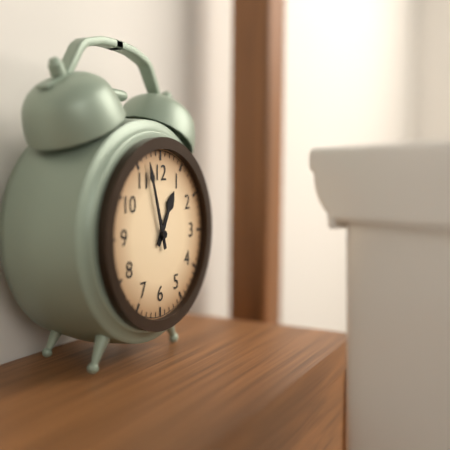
12,57
